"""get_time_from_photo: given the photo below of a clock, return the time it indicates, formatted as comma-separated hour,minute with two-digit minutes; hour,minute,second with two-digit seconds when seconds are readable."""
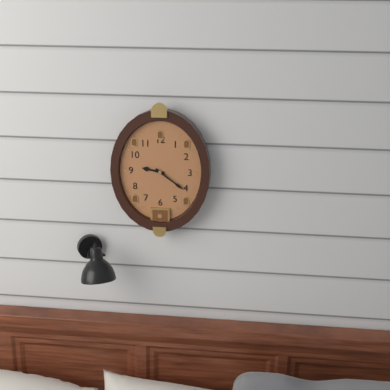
9,21
